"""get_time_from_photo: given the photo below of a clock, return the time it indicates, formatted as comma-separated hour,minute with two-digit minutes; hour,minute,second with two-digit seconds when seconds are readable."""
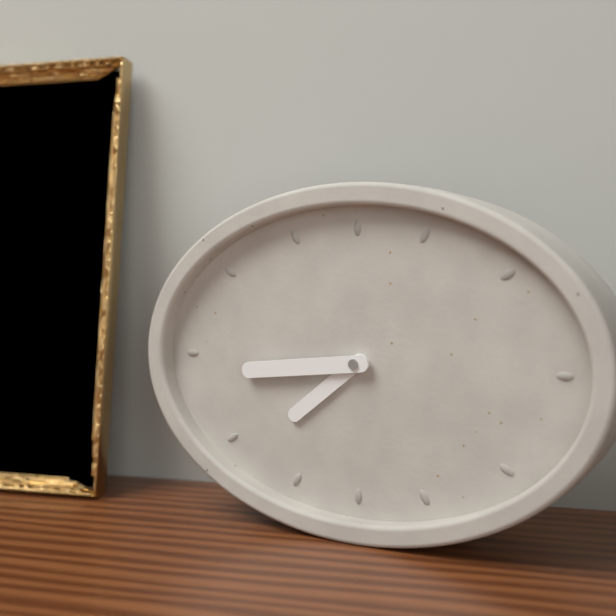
7,44
